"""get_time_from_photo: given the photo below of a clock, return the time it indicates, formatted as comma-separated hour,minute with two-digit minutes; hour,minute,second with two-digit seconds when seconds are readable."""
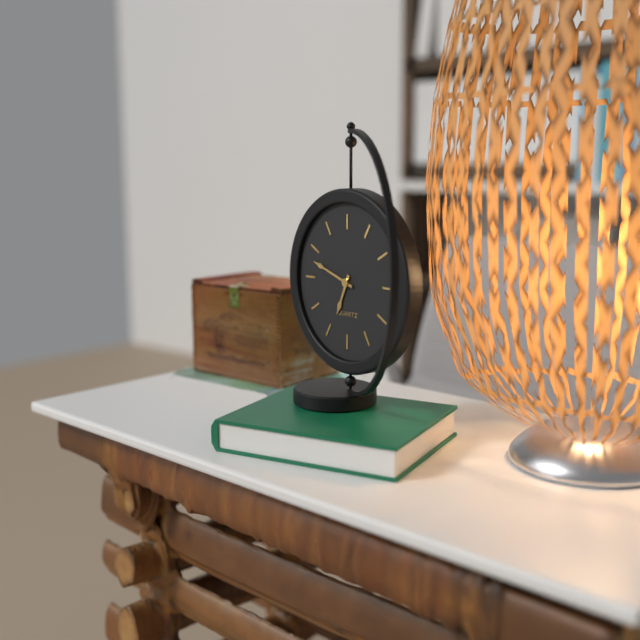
6,48
